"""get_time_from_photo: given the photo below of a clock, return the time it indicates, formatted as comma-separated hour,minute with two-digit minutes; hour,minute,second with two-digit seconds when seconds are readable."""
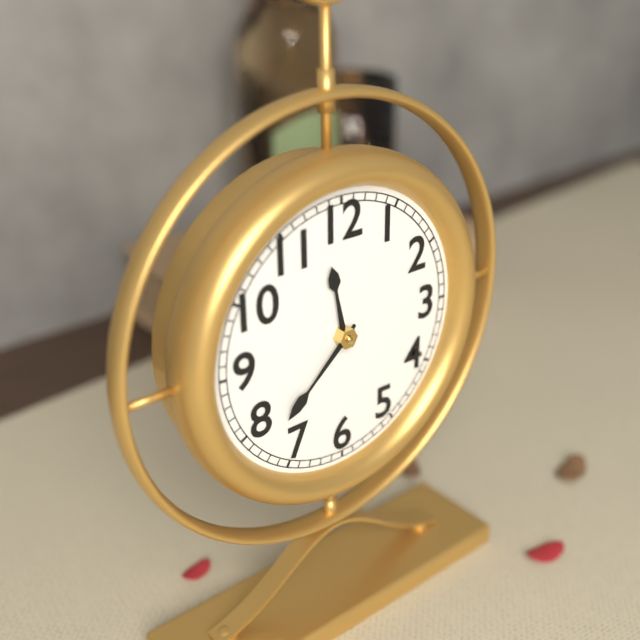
11,38
